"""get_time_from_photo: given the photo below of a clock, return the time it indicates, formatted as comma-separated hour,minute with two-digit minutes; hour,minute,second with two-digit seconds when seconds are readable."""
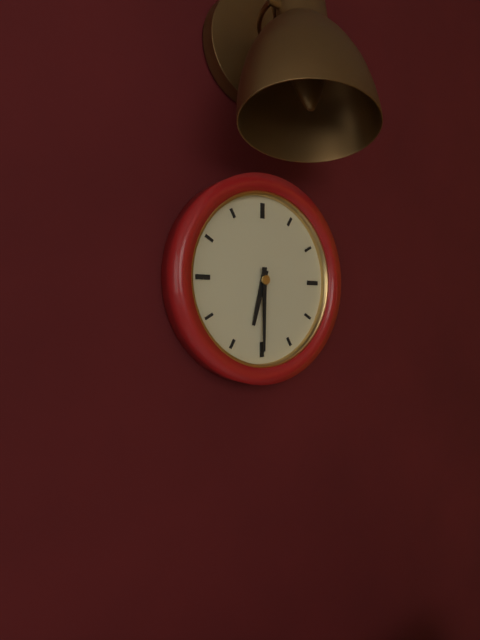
6,30
